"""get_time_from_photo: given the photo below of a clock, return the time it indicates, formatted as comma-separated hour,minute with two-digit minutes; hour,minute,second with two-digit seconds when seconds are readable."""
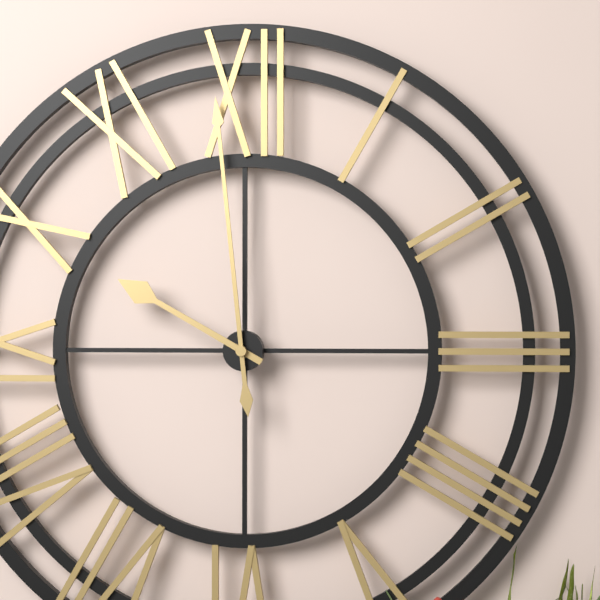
9,59
